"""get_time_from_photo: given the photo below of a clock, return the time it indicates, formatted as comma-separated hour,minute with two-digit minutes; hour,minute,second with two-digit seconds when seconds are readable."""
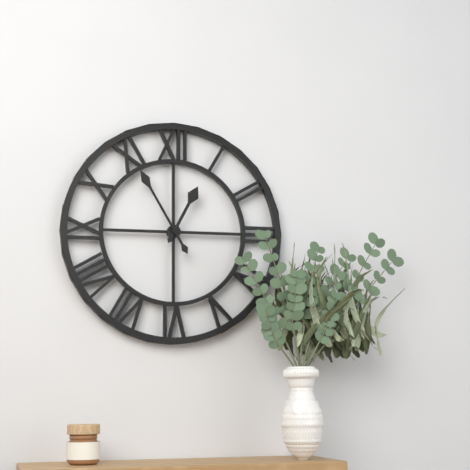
12,55
